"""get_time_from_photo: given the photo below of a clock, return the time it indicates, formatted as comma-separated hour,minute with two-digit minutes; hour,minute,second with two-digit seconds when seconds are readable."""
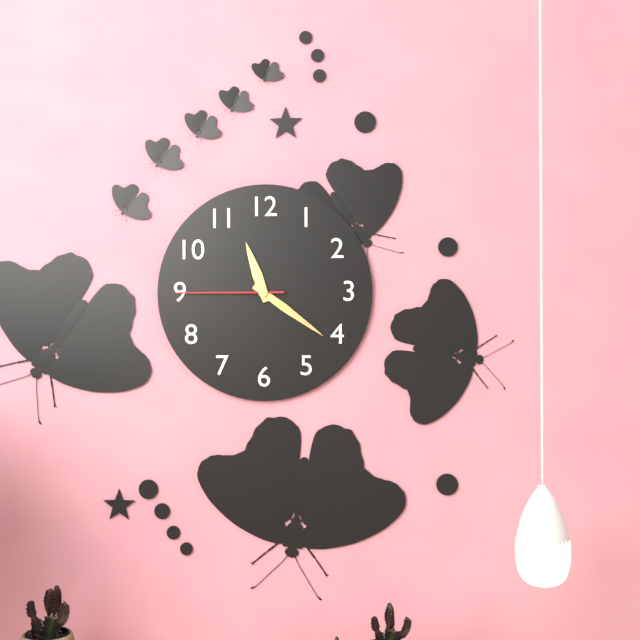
11,21,45
